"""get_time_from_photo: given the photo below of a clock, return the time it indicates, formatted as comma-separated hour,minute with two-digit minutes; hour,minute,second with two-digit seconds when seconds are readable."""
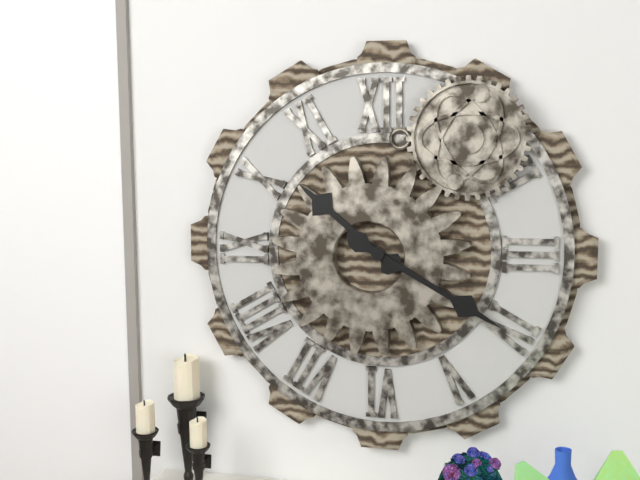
10,20
